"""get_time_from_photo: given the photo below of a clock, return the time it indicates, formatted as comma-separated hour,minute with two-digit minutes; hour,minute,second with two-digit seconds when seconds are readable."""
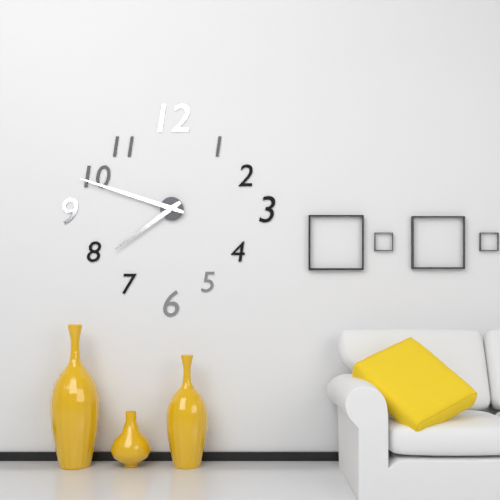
7,48
